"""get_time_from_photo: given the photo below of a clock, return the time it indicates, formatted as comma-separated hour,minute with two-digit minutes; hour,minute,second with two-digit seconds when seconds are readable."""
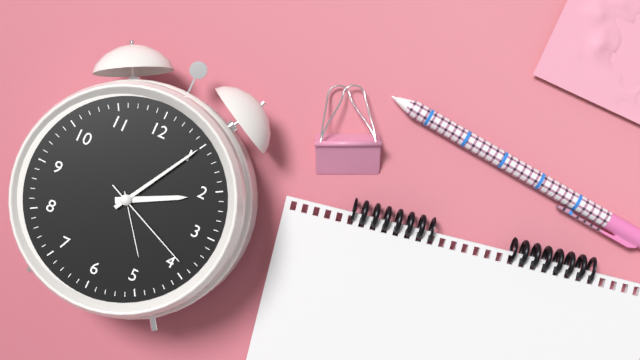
2,05,19
